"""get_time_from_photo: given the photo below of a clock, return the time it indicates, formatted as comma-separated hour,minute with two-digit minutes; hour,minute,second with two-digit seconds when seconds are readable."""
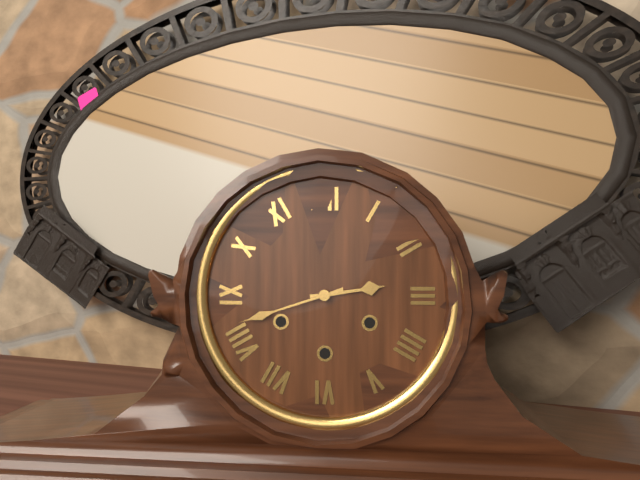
2,42
